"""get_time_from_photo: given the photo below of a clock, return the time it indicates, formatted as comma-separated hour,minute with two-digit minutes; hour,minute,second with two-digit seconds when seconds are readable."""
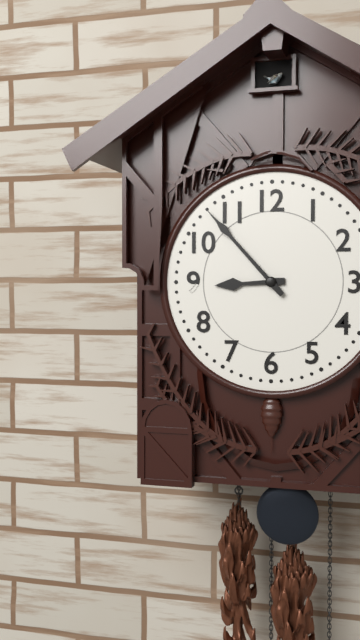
8,53
